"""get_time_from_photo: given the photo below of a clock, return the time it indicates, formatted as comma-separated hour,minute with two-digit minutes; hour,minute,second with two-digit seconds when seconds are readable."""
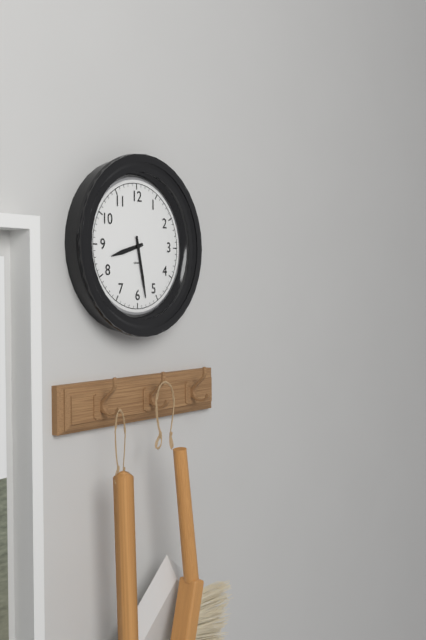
8,28
